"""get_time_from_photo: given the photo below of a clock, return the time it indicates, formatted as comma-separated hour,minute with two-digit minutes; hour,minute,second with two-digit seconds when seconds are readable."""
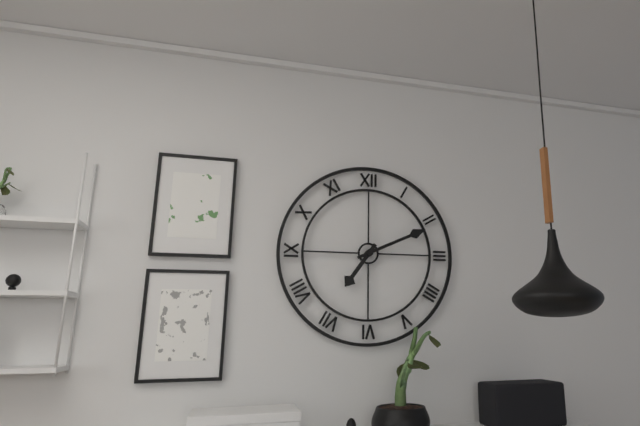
7,11
